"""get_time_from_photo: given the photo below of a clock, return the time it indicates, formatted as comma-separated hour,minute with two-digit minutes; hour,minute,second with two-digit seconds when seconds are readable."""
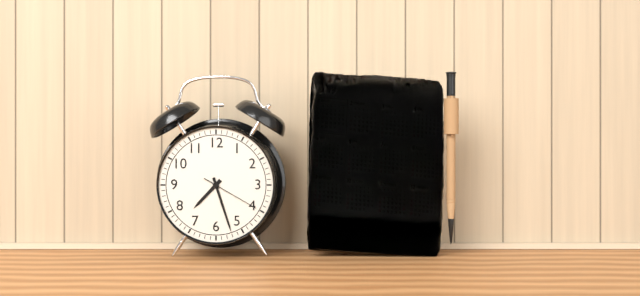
7,27,20
